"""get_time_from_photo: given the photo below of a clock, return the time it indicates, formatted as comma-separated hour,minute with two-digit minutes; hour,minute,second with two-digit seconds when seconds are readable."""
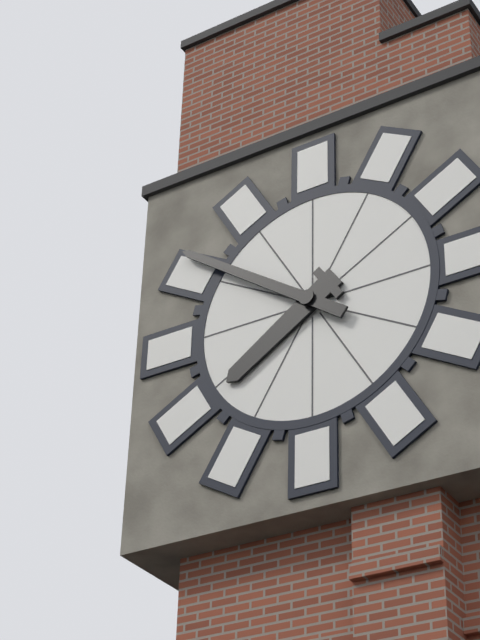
7,51
